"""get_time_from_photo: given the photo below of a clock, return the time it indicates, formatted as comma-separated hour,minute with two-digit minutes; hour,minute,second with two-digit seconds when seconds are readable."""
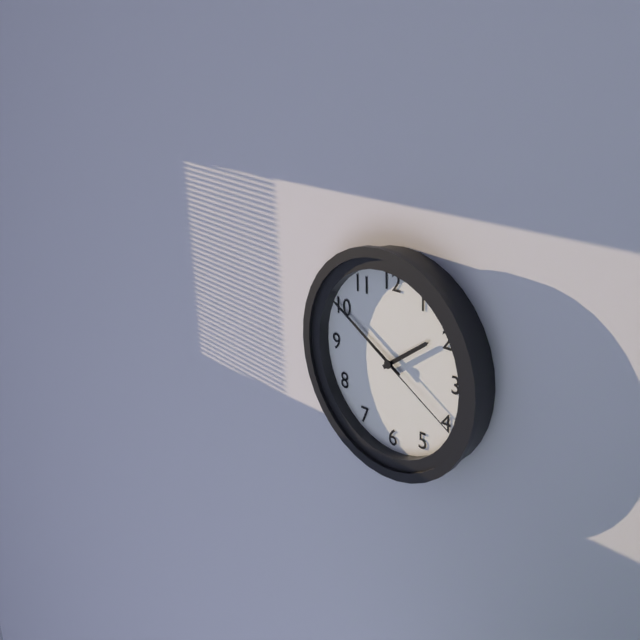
1,50,20
